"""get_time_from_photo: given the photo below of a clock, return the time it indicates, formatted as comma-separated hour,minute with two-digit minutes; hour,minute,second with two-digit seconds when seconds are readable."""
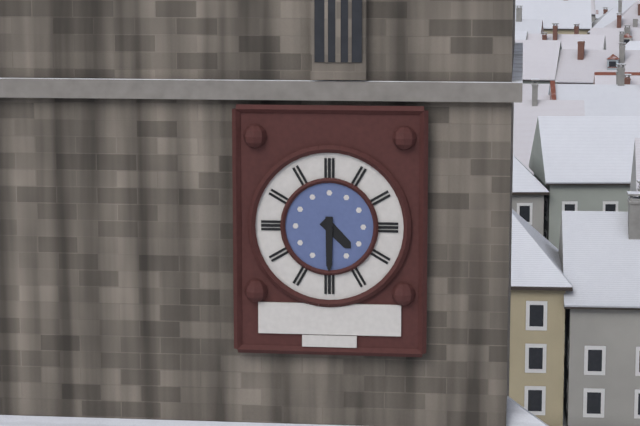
4,30
